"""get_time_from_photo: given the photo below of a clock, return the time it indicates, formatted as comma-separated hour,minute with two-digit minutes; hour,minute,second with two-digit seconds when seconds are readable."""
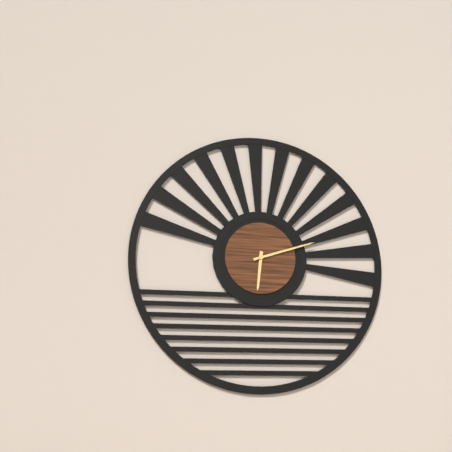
6,12
